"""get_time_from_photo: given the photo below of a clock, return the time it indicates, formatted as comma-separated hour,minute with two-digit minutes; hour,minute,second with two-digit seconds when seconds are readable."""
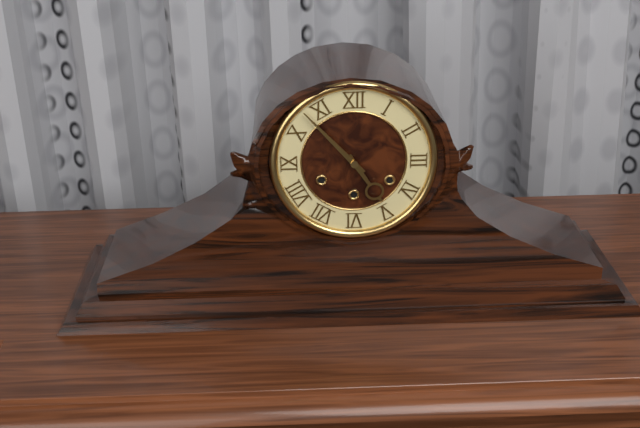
4,53
